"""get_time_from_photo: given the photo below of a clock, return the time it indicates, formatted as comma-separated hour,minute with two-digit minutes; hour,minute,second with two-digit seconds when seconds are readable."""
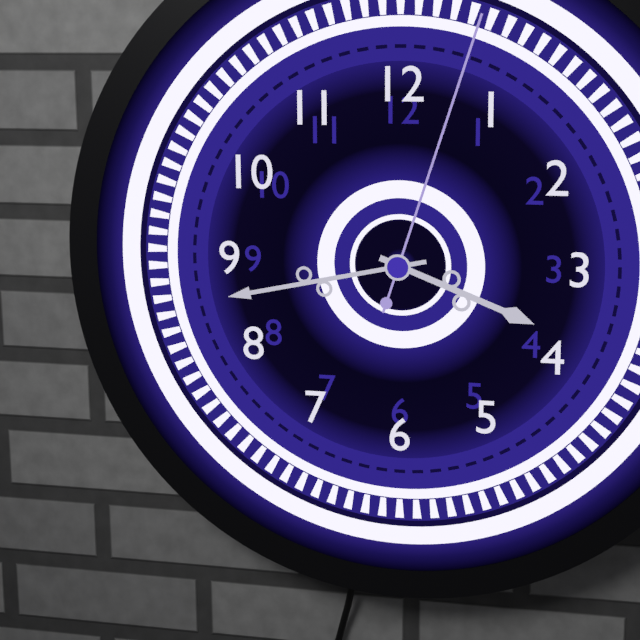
3,43,03
